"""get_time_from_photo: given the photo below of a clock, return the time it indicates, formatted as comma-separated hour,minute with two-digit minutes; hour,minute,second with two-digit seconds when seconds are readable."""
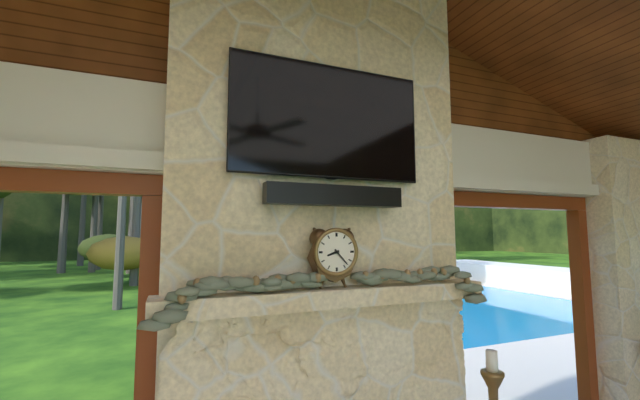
8,23
